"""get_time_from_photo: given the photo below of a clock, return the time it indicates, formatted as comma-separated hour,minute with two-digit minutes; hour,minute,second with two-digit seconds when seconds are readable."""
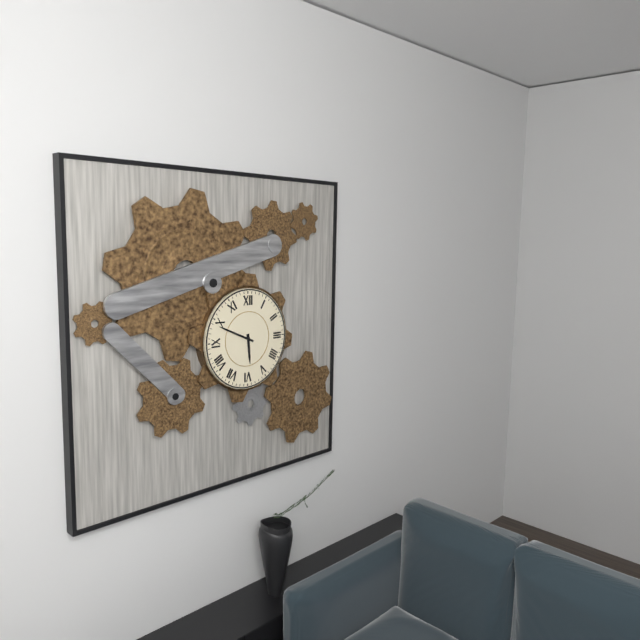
5,49
